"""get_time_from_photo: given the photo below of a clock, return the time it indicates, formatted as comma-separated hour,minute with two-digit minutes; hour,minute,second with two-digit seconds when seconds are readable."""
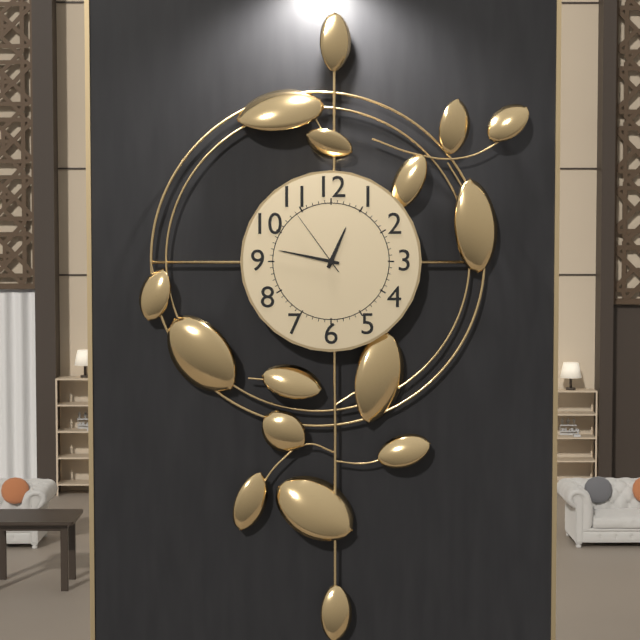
12,47,54
